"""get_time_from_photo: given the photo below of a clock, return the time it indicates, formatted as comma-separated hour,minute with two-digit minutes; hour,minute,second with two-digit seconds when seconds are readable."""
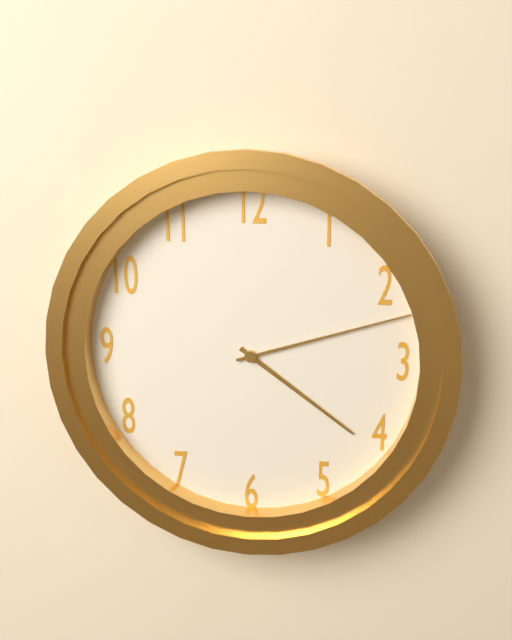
4,12
